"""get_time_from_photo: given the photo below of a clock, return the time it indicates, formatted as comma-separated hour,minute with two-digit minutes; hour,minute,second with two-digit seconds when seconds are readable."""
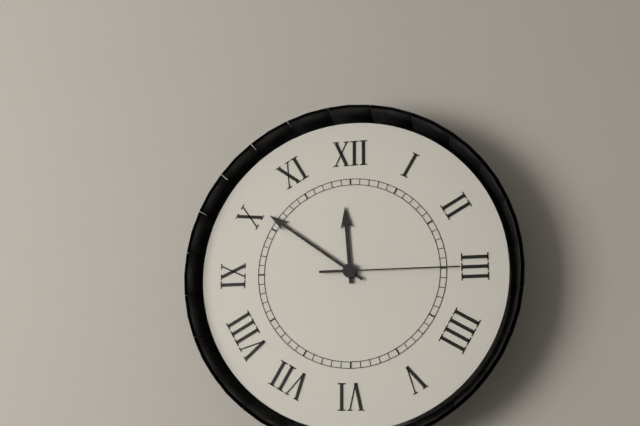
11,51,15
